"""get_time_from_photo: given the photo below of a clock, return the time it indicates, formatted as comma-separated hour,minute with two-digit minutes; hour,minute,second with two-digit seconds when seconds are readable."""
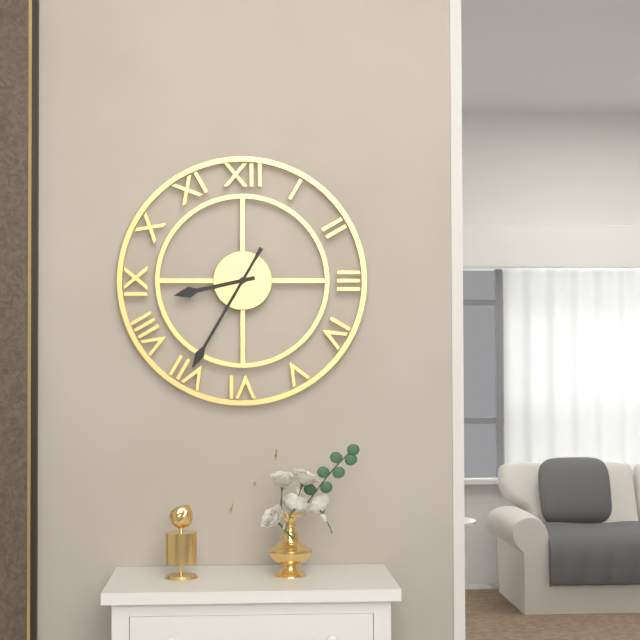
8,35
